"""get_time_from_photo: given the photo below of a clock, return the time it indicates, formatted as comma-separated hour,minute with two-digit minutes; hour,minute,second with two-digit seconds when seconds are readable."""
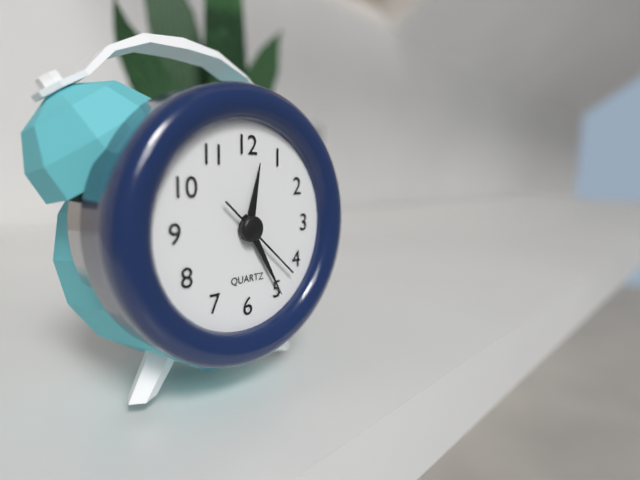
12,25,22
